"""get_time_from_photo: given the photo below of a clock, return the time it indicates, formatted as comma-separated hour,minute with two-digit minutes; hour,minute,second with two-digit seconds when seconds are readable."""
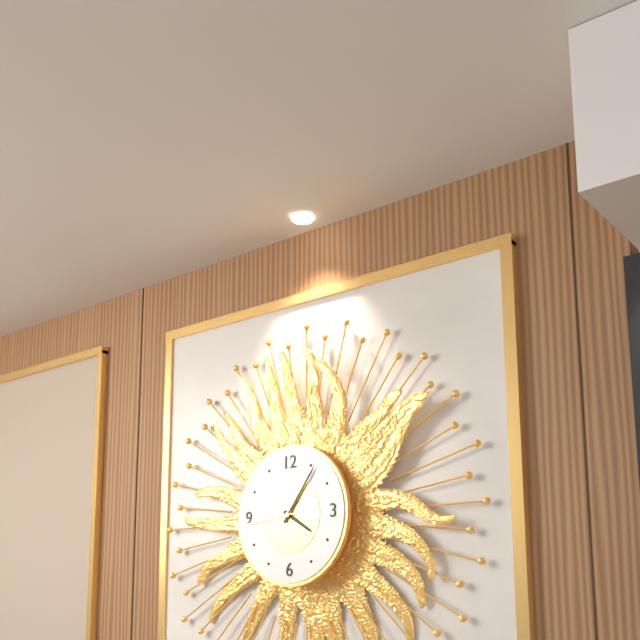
4,06,44
